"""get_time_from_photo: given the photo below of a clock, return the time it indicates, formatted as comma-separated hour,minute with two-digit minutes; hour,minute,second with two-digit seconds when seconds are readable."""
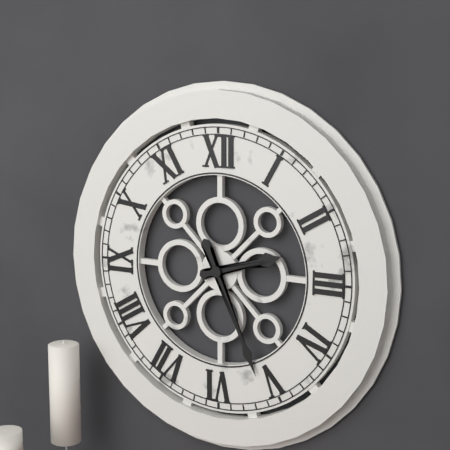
2,26
